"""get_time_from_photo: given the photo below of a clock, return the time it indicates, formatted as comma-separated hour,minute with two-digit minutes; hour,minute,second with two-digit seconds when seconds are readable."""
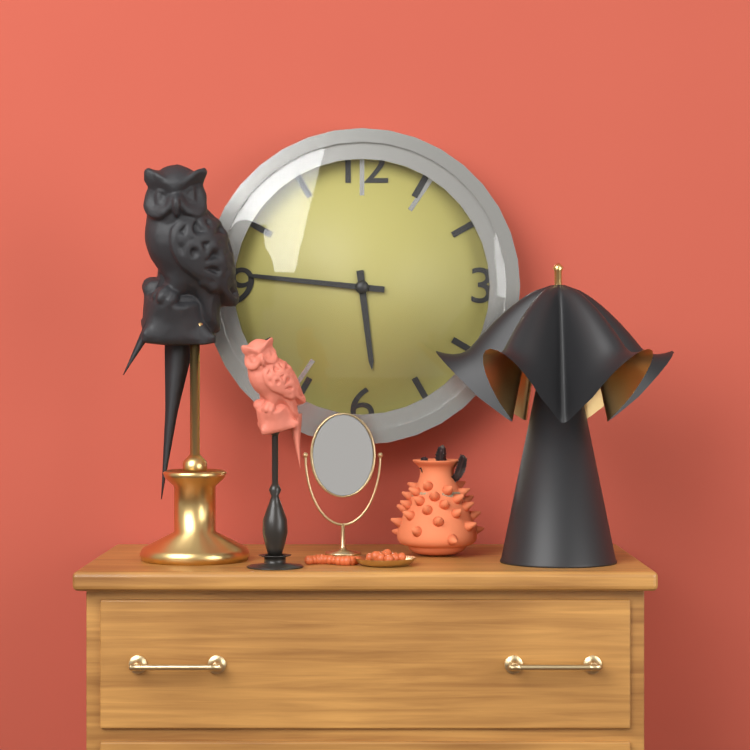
5,46
